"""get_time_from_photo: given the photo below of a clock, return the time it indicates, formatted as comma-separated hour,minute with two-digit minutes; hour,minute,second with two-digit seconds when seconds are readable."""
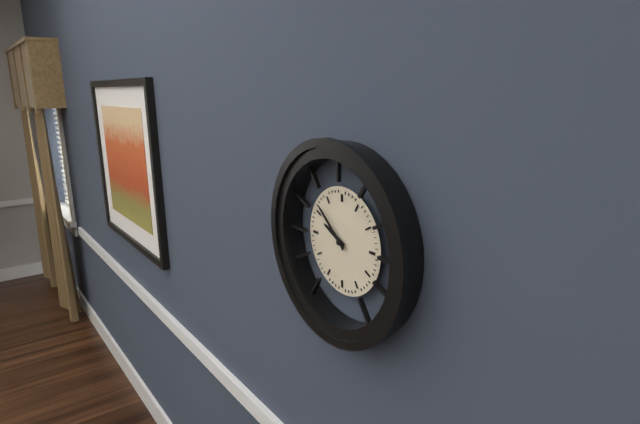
9,52
